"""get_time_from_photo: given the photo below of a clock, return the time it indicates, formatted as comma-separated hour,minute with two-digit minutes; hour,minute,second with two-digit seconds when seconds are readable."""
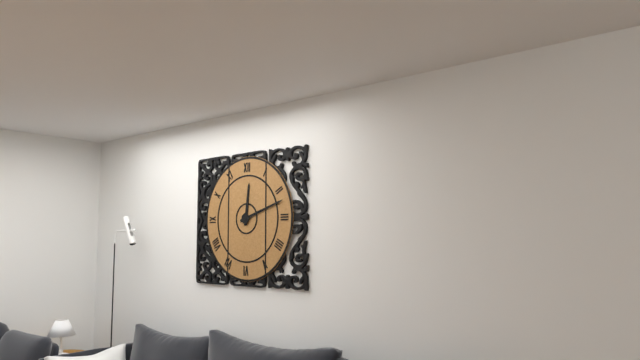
12,12
